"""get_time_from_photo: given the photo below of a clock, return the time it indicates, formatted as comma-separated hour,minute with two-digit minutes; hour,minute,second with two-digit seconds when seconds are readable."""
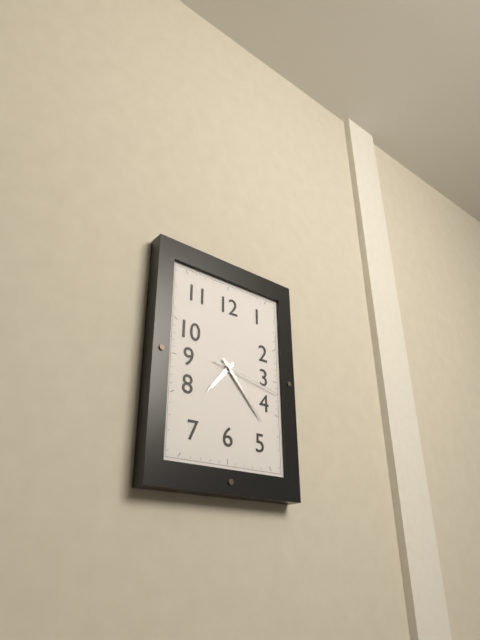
7,23,17
